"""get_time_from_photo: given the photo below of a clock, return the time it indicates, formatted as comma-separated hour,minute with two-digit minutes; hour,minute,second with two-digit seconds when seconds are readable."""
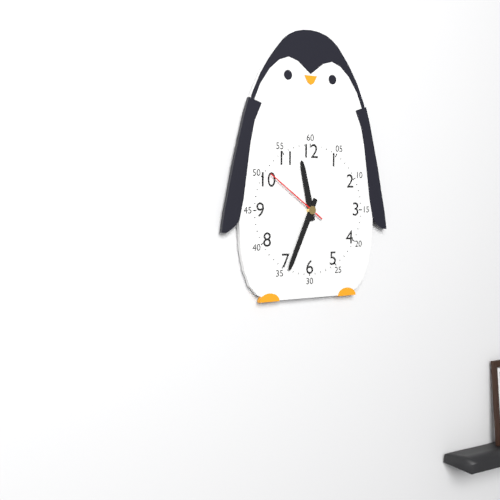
11,34,51
